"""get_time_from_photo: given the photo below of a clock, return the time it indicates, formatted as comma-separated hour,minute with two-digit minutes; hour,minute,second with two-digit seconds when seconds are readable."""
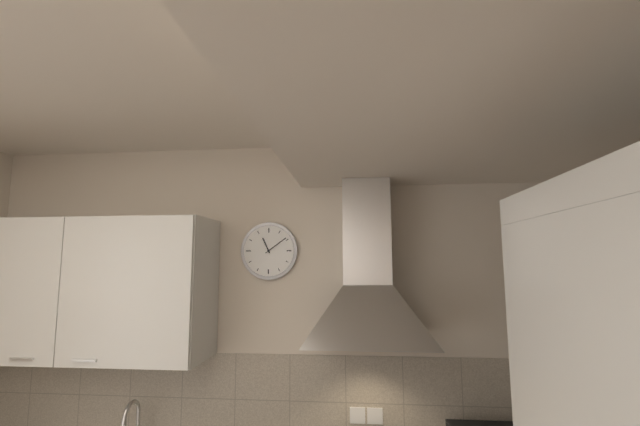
11,09
